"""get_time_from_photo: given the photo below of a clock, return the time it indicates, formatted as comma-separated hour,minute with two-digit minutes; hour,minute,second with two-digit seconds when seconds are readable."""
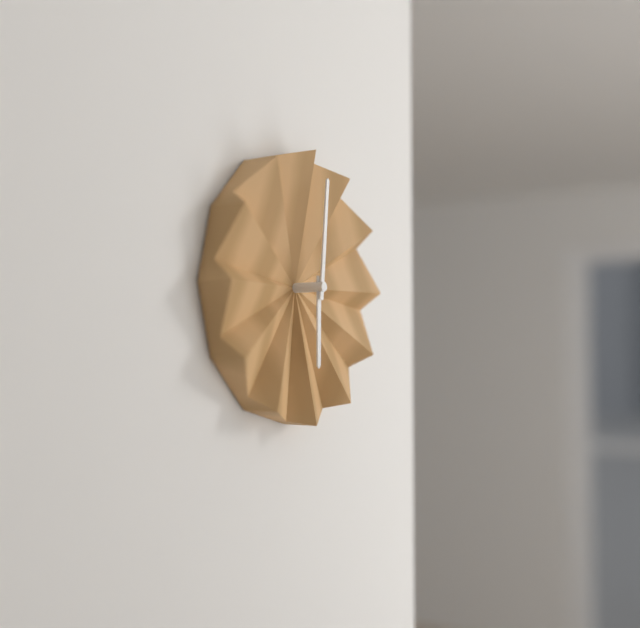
6,01
